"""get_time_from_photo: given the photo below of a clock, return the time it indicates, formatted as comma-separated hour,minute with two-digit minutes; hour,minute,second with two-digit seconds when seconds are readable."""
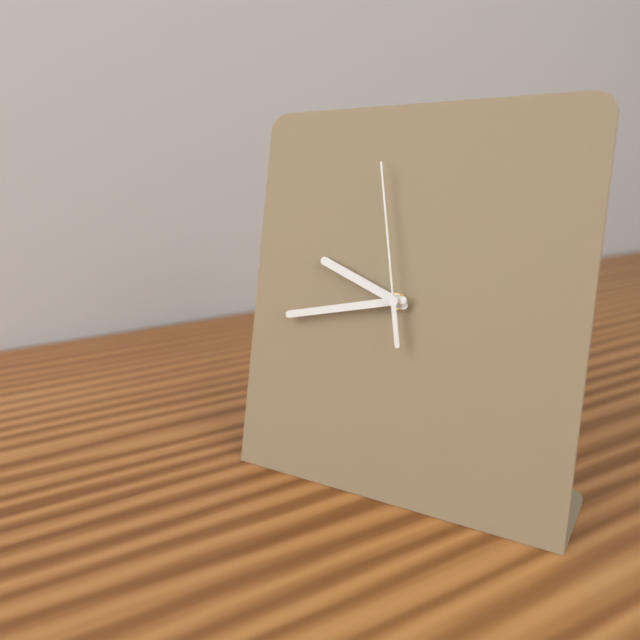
9,43,58
